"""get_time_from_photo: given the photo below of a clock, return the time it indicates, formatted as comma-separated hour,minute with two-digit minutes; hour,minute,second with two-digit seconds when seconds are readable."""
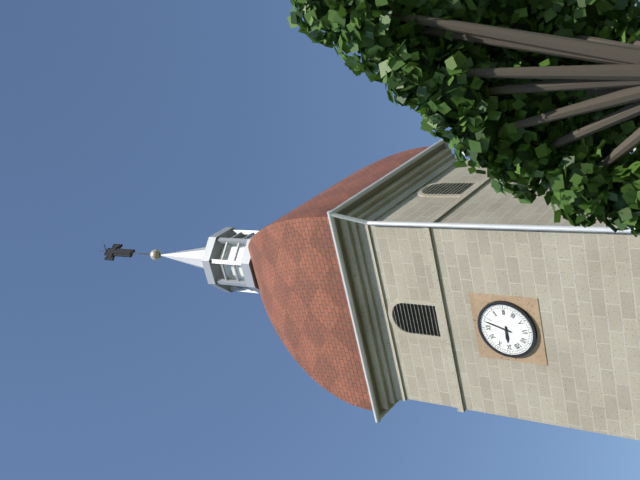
9,03
